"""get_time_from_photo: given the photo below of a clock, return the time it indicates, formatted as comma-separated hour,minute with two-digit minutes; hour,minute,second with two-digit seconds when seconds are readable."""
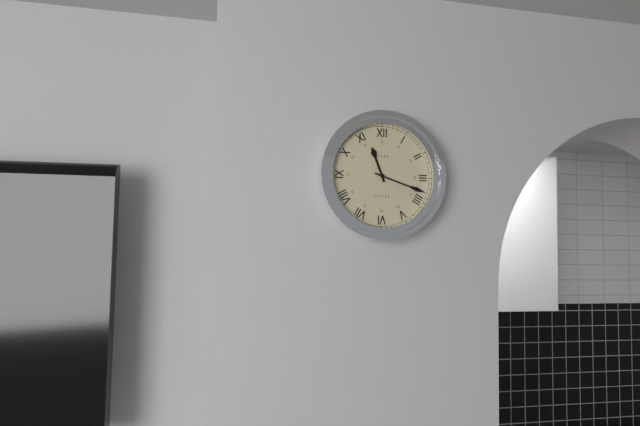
11,18
